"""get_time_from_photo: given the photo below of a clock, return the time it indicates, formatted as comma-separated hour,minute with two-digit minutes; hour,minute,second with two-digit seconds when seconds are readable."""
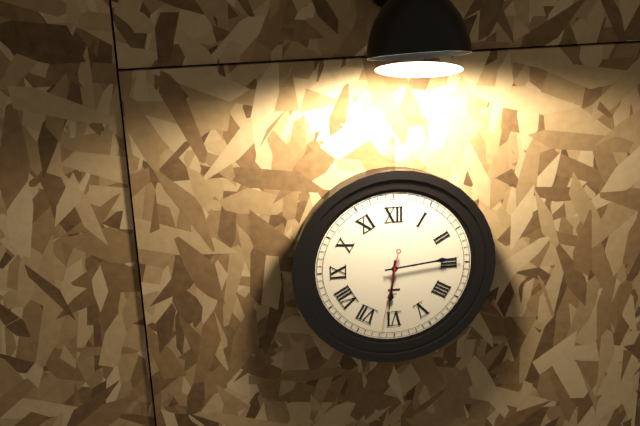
6,14,32
